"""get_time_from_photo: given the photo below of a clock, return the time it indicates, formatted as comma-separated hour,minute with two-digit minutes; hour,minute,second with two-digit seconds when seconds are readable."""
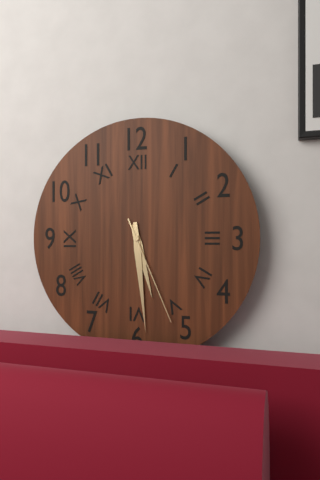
5,29,26
